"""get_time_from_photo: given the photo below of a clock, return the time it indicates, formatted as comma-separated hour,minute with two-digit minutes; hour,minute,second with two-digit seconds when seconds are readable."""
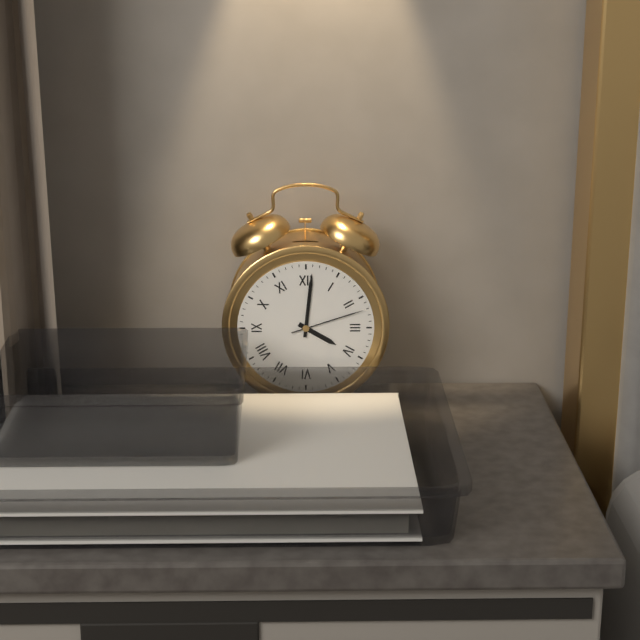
4,01,12
